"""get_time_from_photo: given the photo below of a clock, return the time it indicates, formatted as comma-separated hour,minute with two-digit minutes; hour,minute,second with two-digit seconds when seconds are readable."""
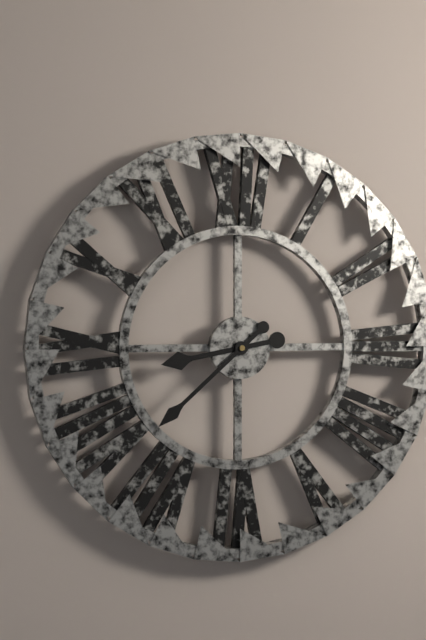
8,38
